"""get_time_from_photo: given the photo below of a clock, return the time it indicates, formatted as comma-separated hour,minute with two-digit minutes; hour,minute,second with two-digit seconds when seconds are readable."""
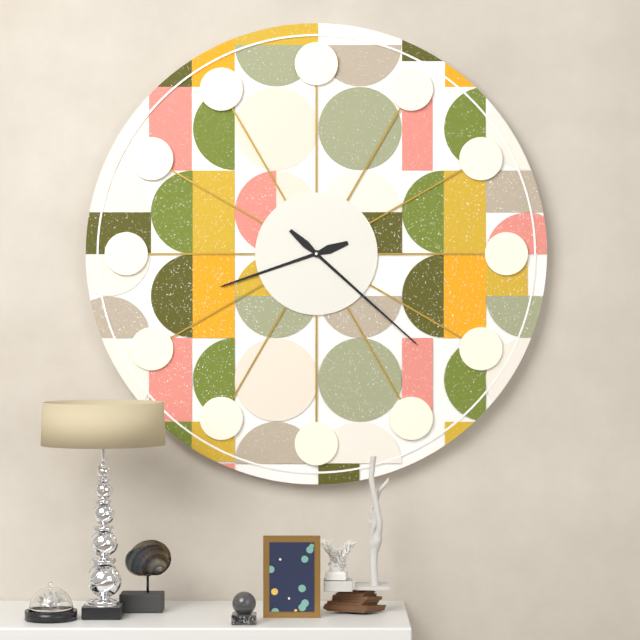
8,22
